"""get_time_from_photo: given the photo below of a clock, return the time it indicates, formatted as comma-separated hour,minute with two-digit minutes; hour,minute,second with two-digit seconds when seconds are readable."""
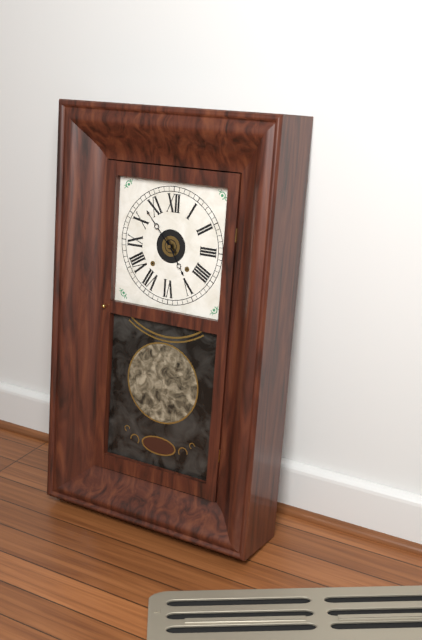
4,53
